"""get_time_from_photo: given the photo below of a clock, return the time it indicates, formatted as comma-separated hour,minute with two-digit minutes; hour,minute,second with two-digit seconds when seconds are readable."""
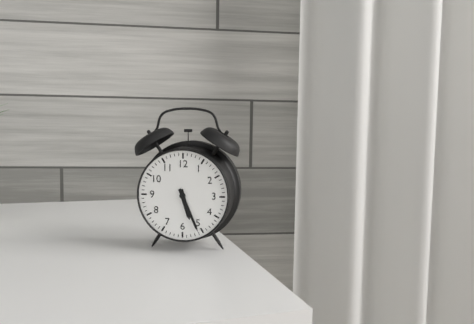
5,26
